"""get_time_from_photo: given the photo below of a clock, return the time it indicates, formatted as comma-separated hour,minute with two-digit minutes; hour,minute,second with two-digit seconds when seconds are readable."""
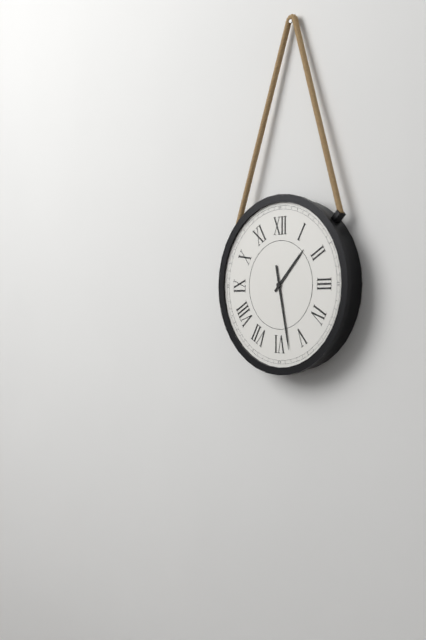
1,28
